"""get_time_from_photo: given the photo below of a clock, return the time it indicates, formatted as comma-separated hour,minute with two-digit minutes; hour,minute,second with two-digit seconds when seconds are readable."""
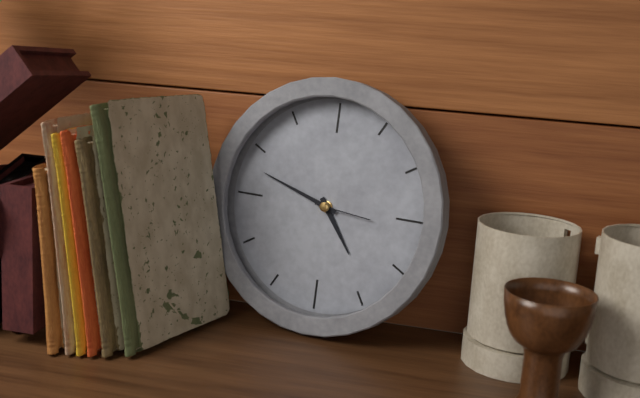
4,48,16
